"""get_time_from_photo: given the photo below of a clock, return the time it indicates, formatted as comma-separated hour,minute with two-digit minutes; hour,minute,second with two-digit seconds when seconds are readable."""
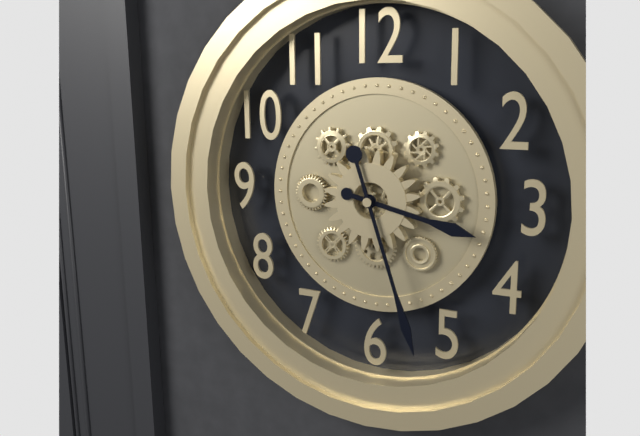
3,27
